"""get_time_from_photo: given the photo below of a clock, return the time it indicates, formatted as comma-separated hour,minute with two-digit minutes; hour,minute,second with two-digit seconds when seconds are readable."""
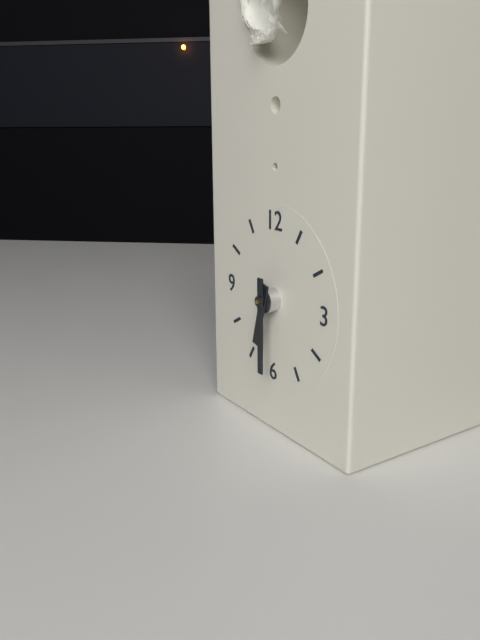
6,30
